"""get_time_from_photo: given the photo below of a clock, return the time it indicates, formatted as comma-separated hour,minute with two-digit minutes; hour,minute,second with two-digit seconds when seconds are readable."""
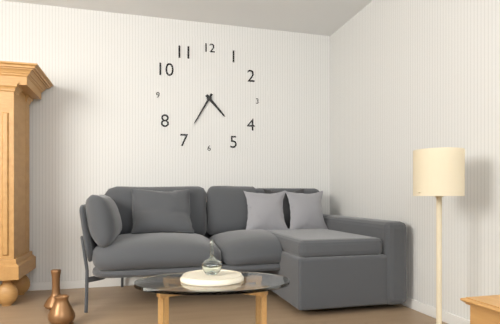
4,35
